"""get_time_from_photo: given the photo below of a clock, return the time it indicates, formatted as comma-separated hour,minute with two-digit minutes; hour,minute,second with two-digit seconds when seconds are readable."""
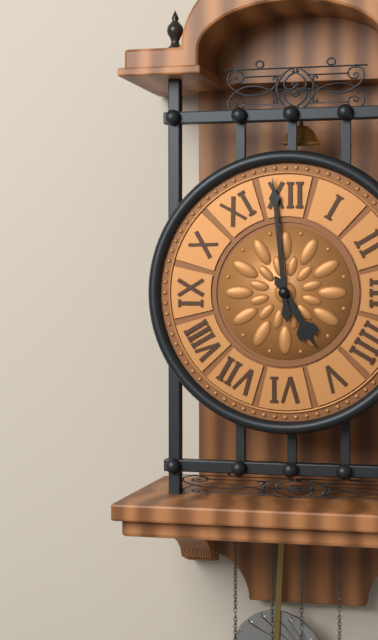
4,59
